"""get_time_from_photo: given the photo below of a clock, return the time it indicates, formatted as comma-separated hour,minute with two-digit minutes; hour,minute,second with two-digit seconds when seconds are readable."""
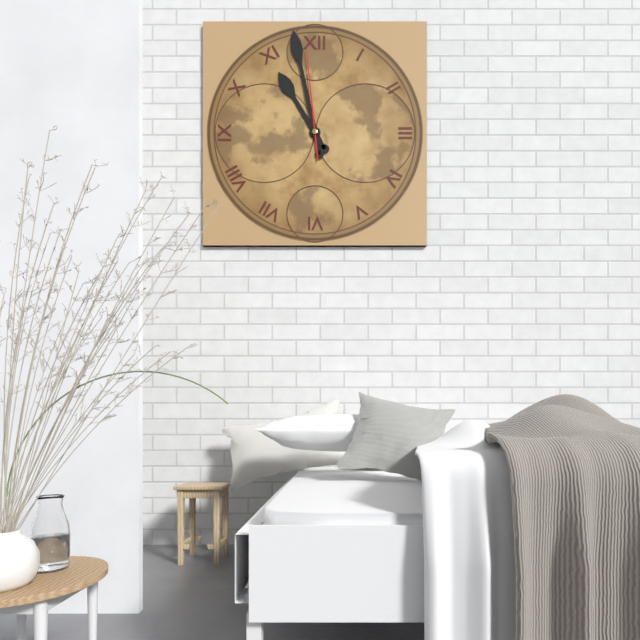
10,58,59
